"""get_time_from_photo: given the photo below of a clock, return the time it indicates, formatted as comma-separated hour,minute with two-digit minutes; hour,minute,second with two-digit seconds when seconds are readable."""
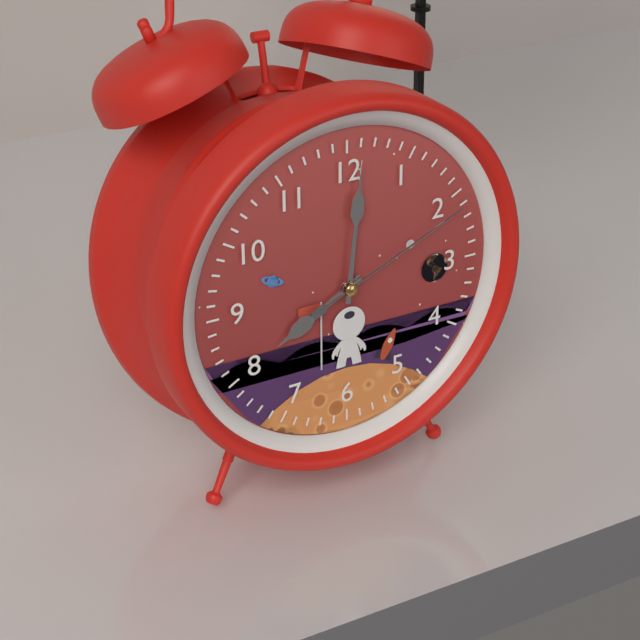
8,01,11
